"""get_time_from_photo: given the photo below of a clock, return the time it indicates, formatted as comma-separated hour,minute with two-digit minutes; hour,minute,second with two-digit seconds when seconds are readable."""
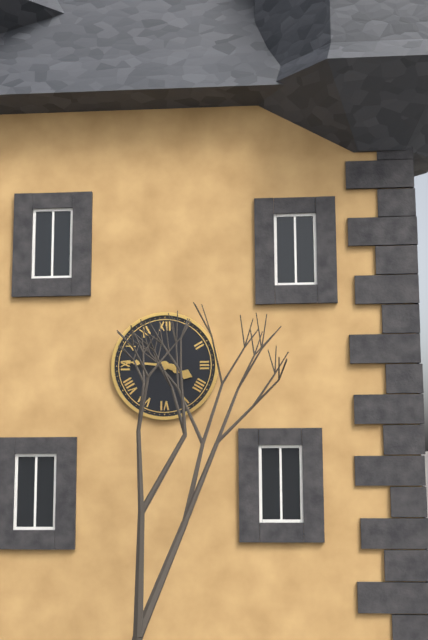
3,46
